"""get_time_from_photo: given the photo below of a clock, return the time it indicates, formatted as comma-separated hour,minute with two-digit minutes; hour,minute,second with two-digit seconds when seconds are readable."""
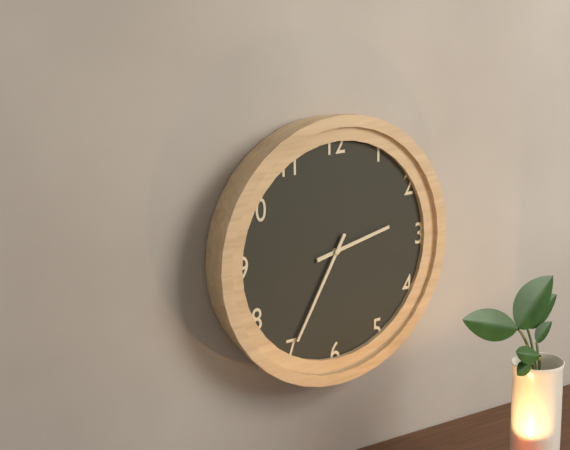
2,35
